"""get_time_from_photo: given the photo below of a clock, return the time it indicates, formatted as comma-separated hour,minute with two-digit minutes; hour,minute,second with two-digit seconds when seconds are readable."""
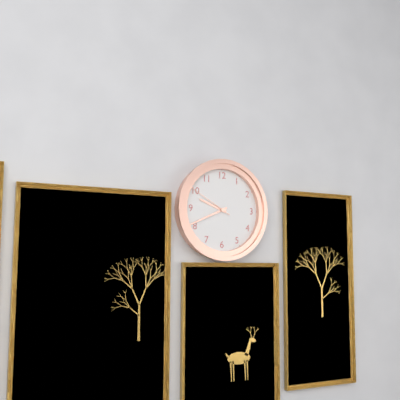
9,41,50
